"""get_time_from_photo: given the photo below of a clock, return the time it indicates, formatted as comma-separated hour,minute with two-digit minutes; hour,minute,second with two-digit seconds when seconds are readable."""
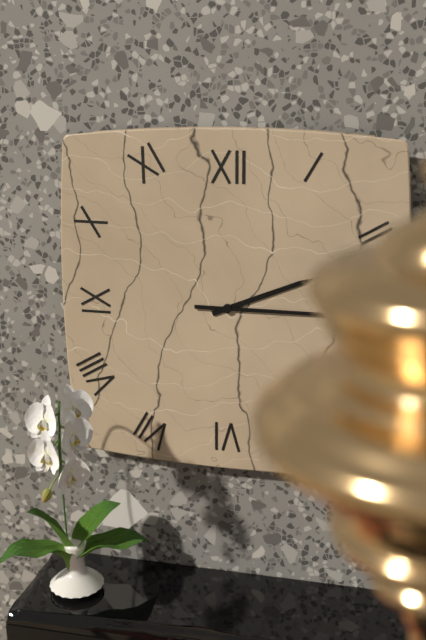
2,15
